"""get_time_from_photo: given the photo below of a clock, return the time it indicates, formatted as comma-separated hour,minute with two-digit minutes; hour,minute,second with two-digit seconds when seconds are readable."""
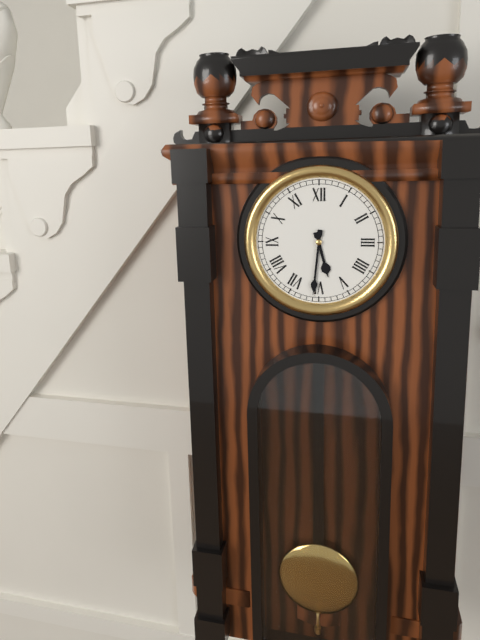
5,31
